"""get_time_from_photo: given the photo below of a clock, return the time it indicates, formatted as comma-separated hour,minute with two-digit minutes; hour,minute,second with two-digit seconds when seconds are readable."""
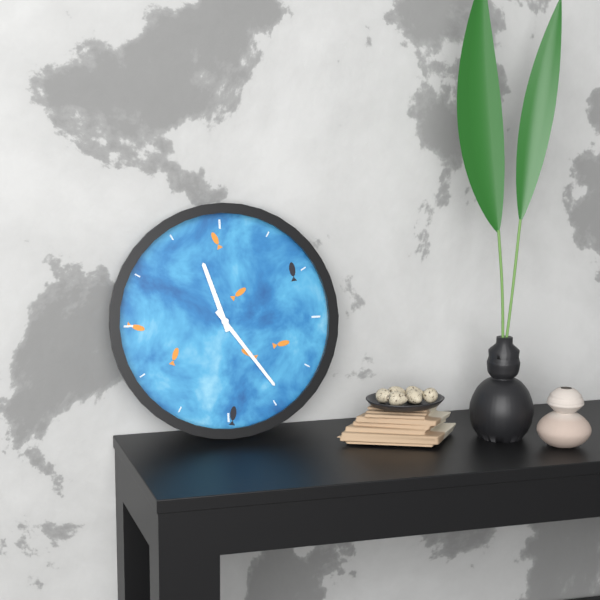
11,24
